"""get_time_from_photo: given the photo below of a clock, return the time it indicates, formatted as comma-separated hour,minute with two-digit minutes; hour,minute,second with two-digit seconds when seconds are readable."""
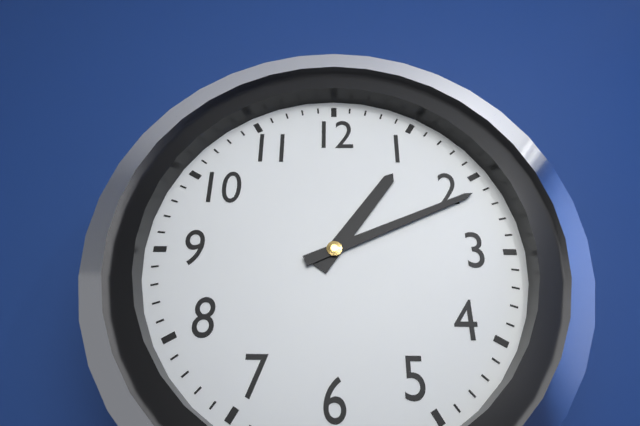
1,11
